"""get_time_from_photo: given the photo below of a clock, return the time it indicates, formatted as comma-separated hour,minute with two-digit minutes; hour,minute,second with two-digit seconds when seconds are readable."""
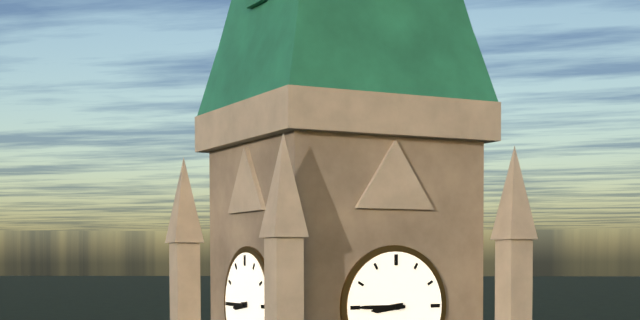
8,45
